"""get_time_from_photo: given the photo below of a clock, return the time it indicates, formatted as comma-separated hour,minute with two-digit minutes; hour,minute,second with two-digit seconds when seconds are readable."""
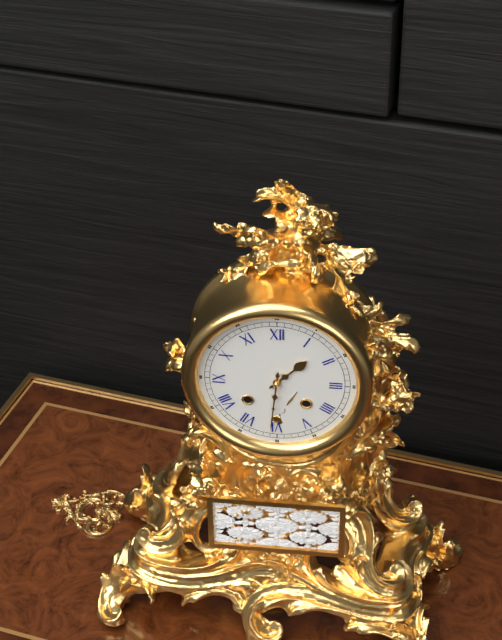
1,31
